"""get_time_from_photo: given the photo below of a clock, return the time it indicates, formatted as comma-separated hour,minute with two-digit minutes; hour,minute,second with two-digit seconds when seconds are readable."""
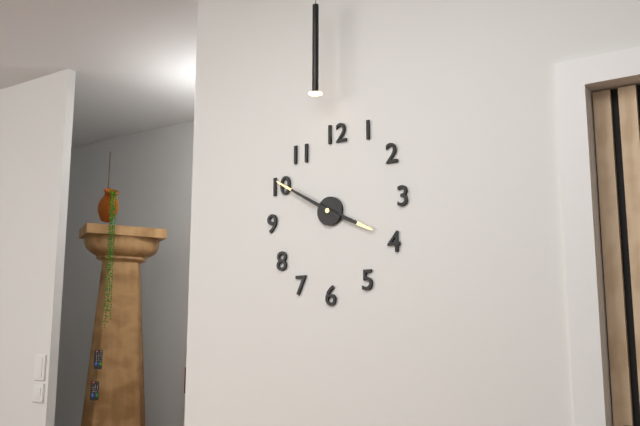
3,50
